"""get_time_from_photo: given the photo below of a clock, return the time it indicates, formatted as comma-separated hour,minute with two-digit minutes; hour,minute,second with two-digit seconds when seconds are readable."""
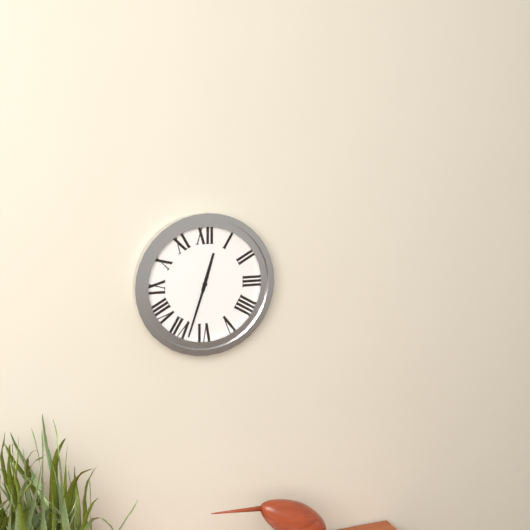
12,33
